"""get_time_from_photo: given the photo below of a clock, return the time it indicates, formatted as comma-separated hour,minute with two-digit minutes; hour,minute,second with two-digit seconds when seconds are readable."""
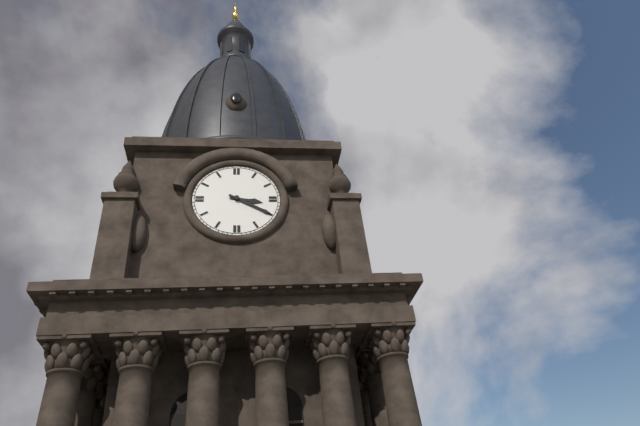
3,20
